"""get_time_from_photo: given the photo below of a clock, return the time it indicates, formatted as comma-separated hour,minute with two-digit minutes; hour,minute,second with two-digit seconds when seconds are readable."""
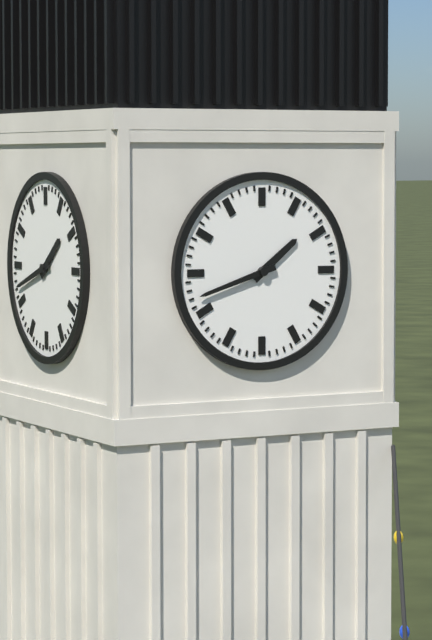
1,42
